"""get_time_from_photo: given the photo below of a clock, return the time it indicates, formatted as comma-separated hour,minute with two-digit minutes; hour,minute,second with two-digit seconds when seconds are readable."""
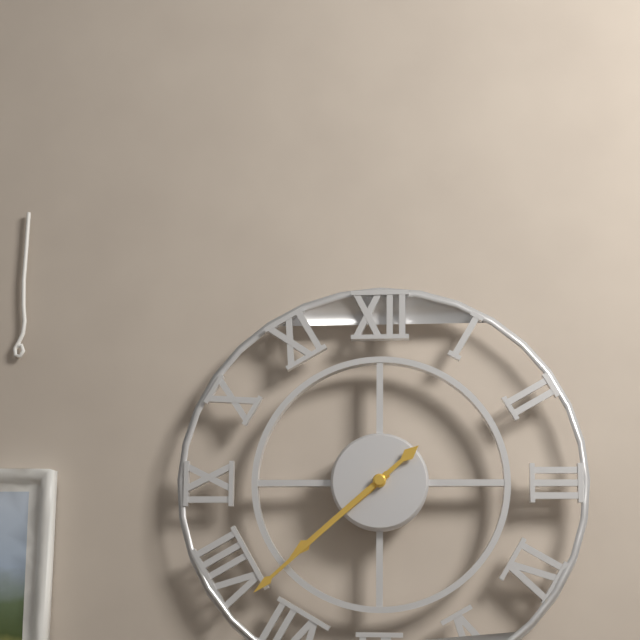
7,38
